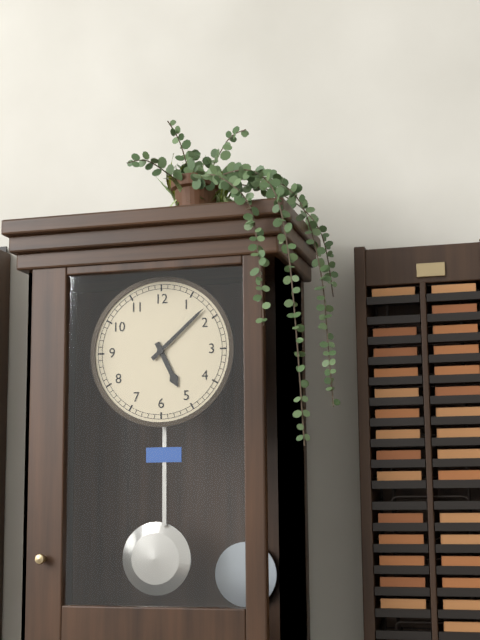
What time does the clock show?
5:08
